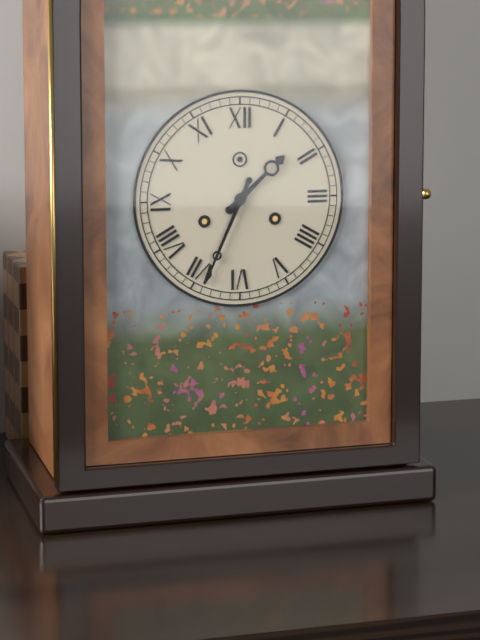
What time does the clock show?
1:34
